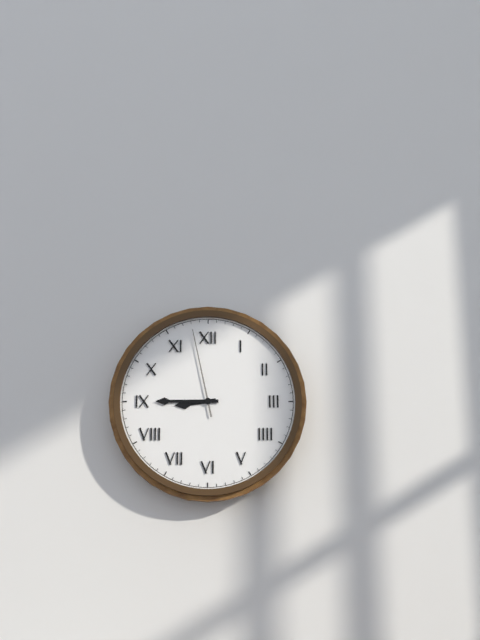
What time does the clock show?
8:45:58
